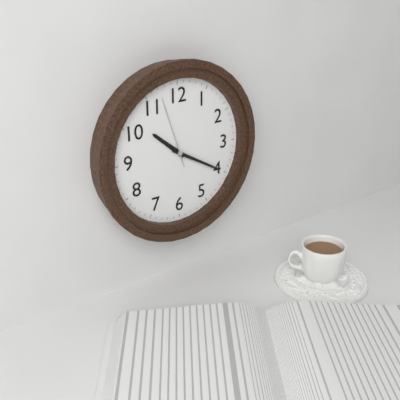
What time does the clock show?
10:20:57
